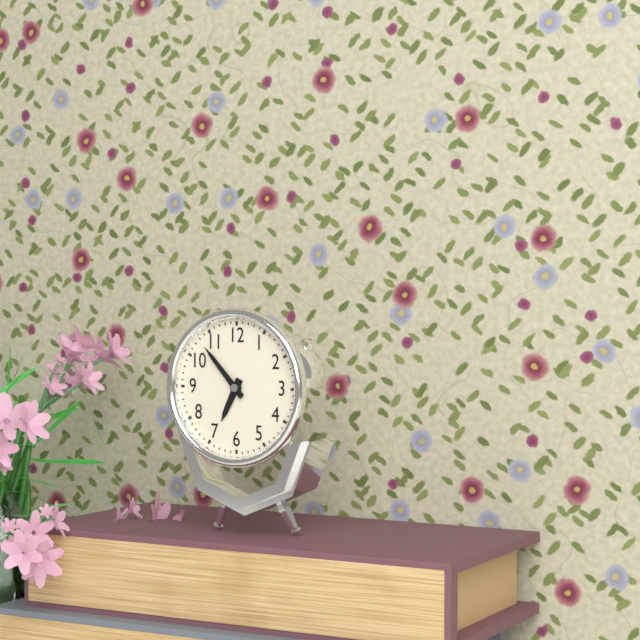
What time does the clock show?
6:53
